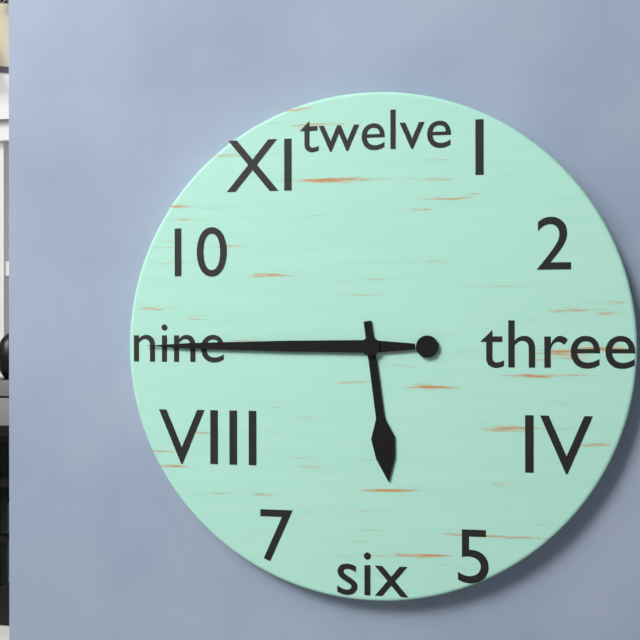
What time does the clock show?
5:45
